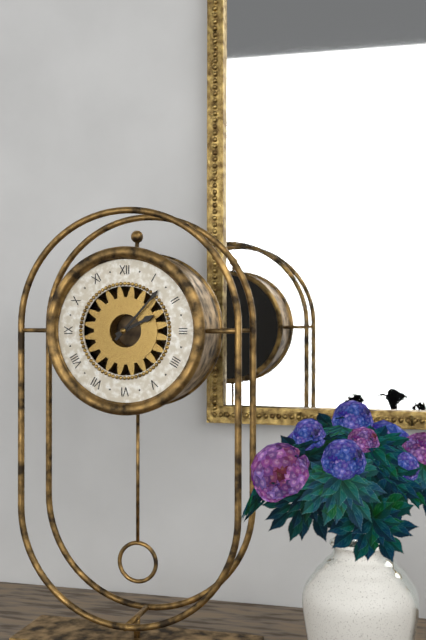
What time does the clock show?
2:07
